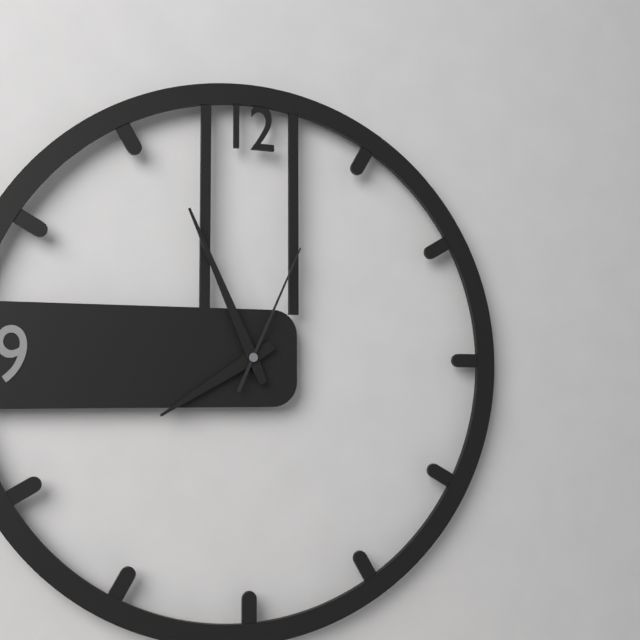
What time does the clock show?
7:56:04
